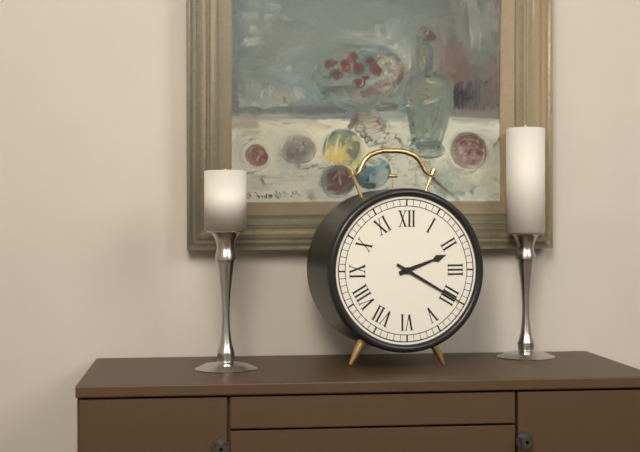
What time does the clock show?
2:20
